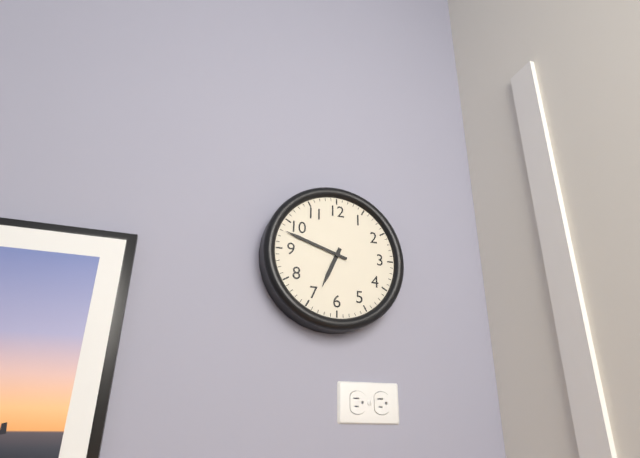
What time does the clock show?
6:48
